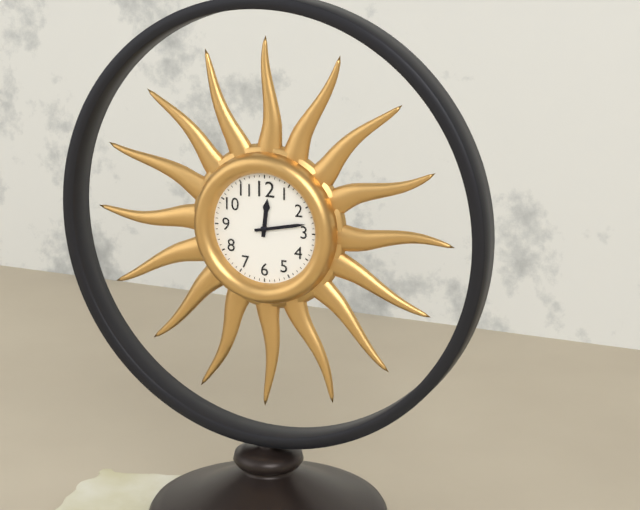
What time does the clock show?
12:13
